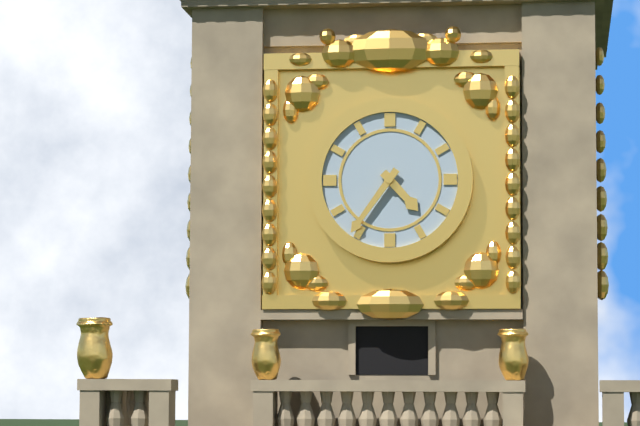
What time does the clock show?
4:36
